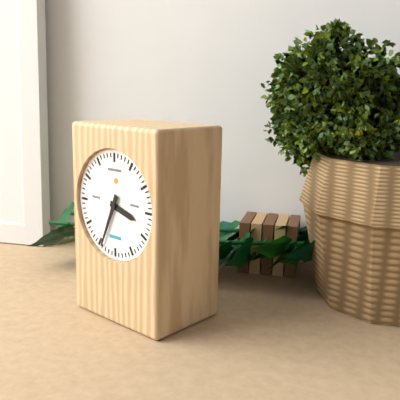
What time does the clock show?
3:34
